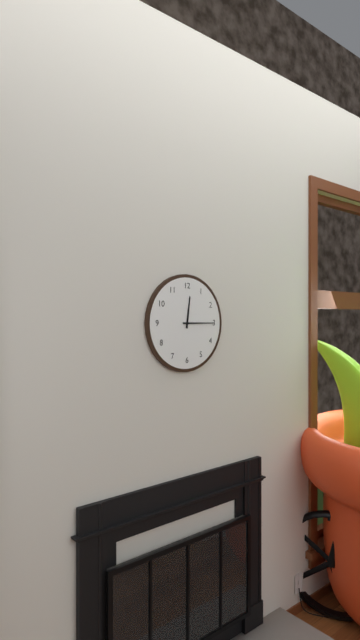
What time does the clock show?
12:15
